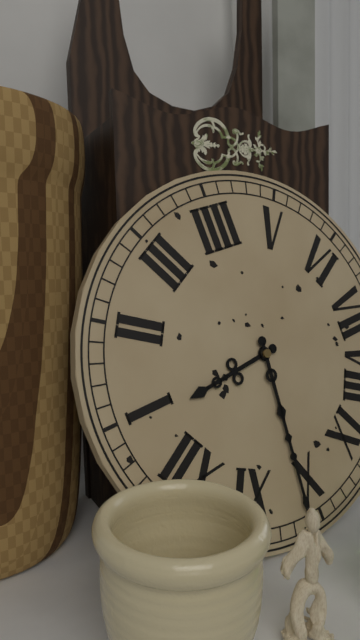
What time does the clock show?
12:51
